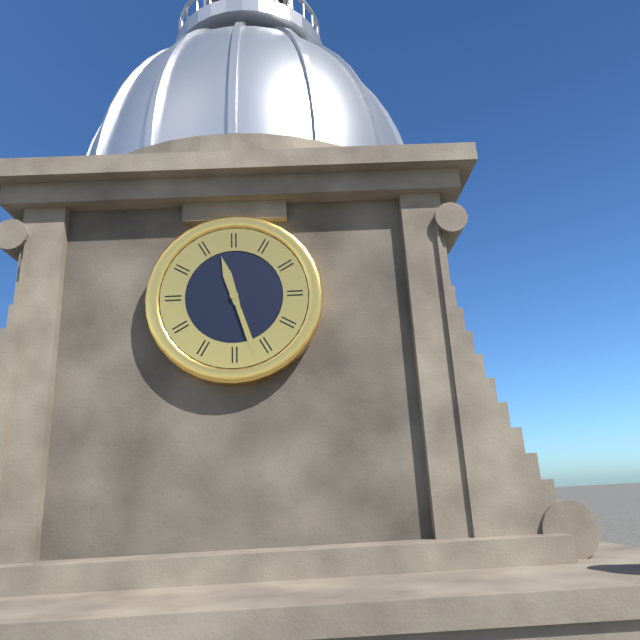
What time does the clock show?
11:27
